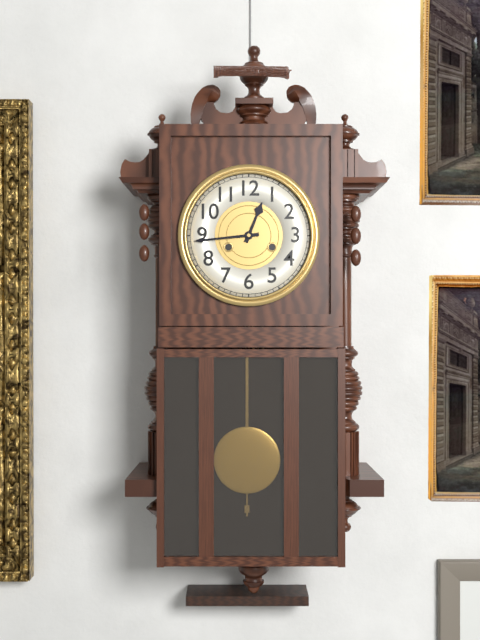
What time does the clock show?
12:44
